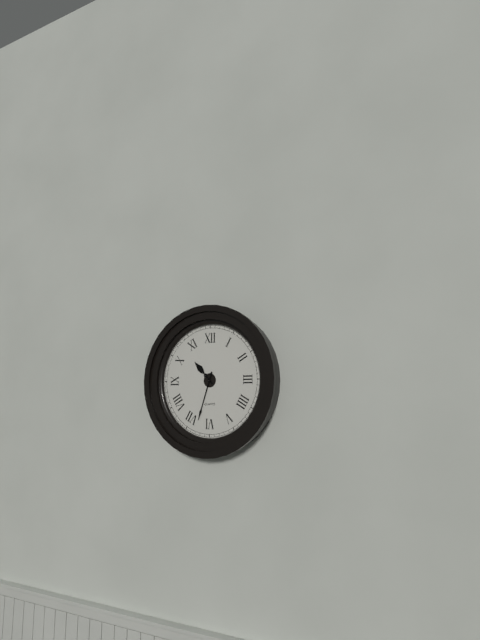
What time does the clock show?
10:33
